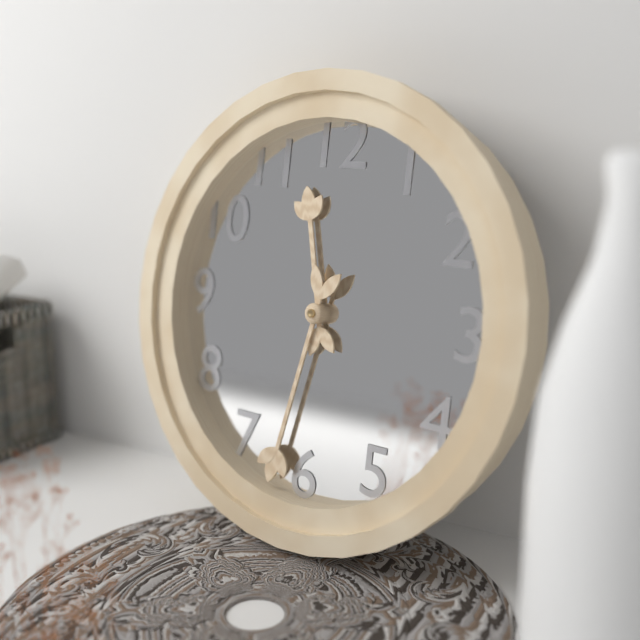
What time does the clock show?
11:32
